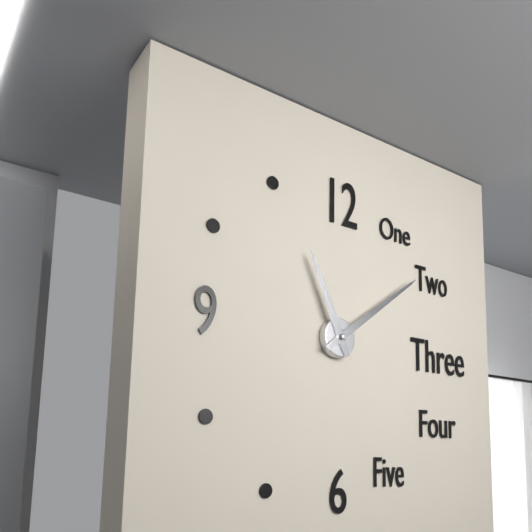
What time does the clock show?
11:09
